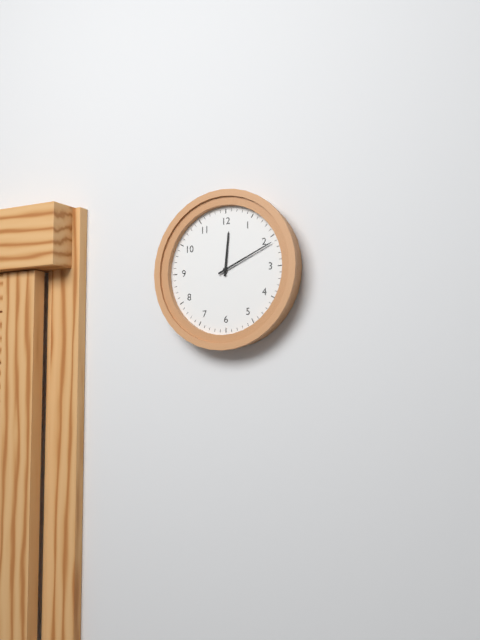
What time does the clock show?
12:11
